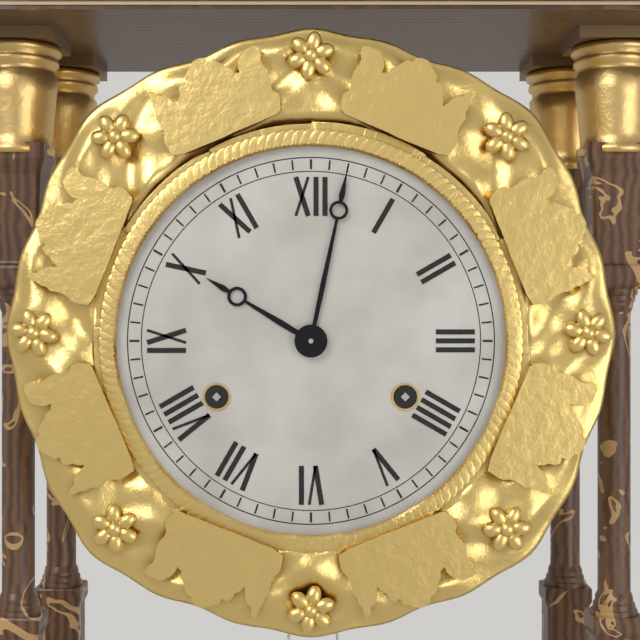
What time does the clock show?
10:02
